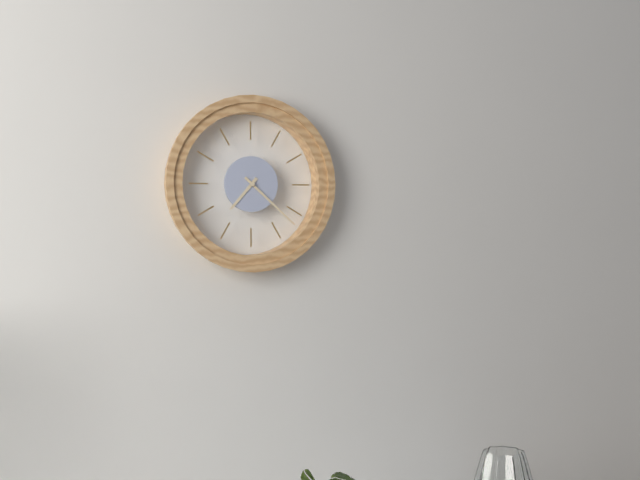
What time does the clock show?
7:22
